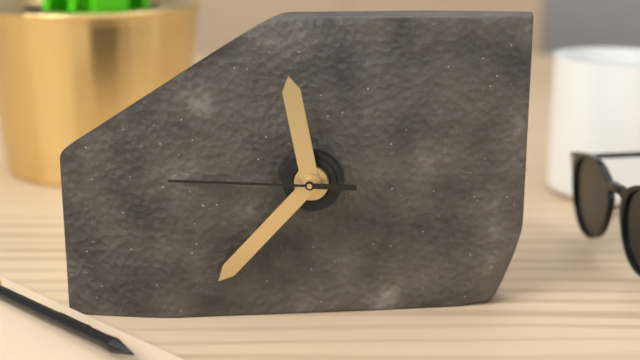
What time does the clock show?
11:37
